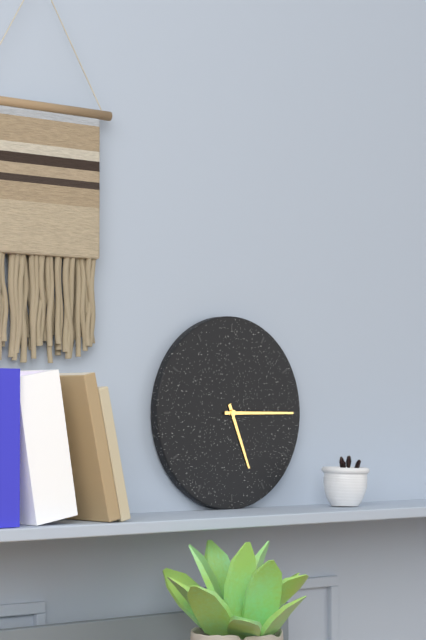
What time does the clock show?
5:15
